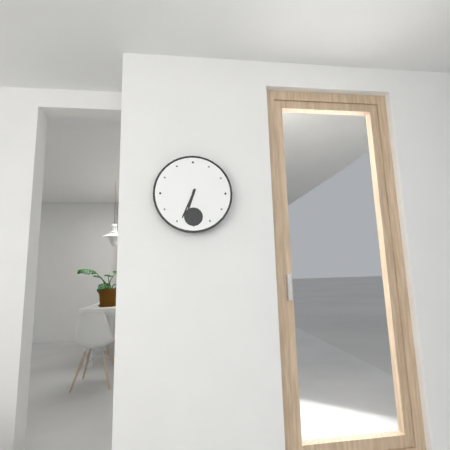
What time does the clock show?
6:34
